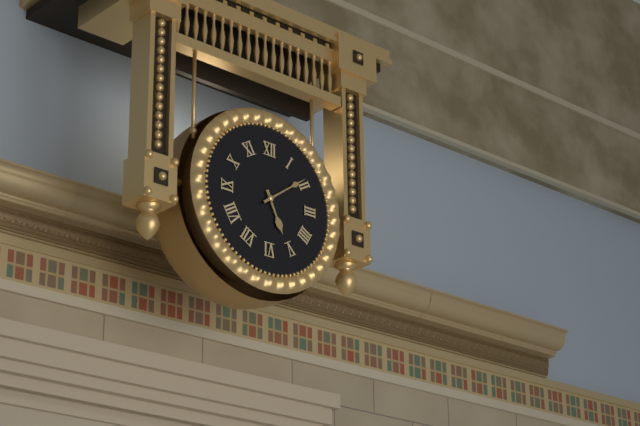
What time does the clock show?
5:09
